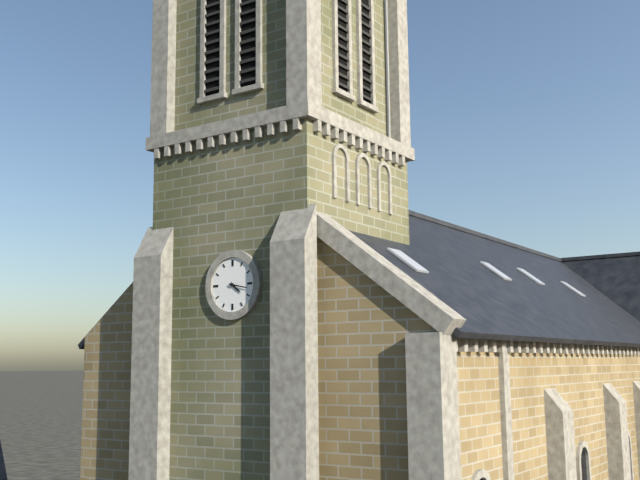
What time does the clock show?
4:17
